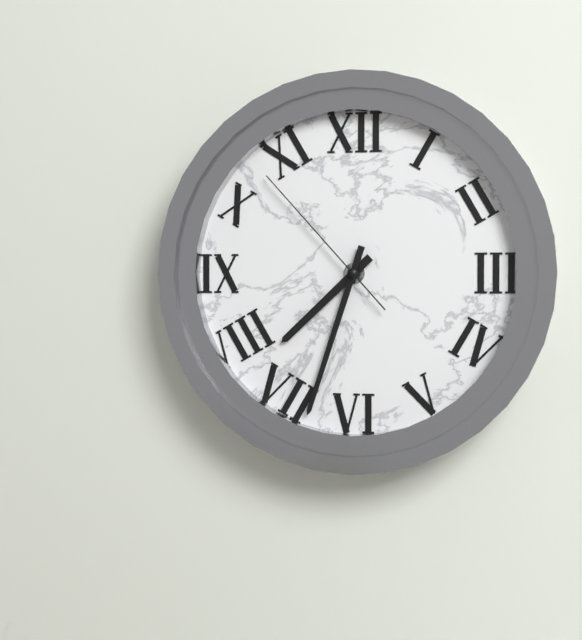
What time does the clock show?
7:33:53
